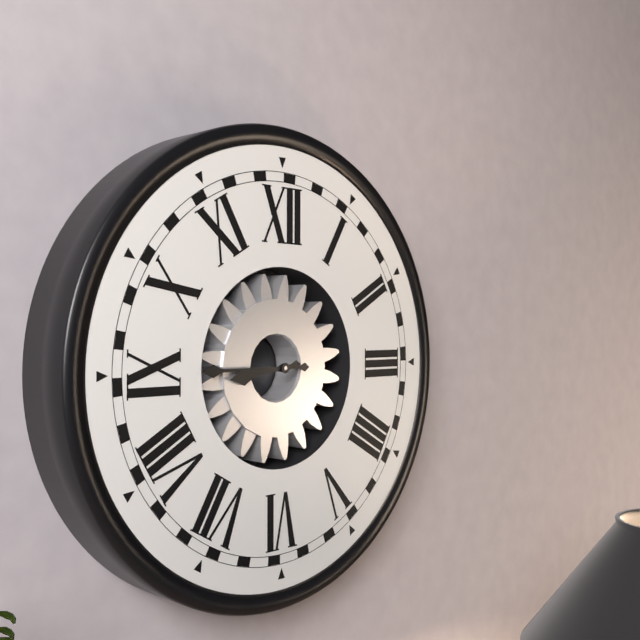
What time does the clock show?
8:45
